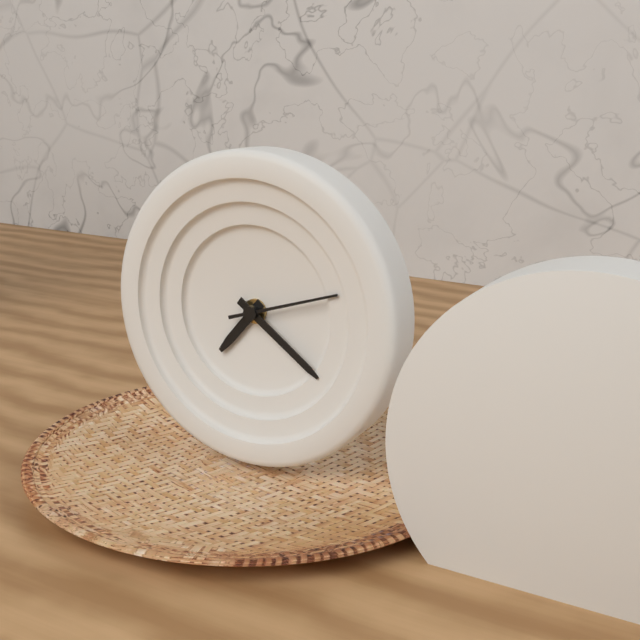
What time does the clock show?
7:21:12
